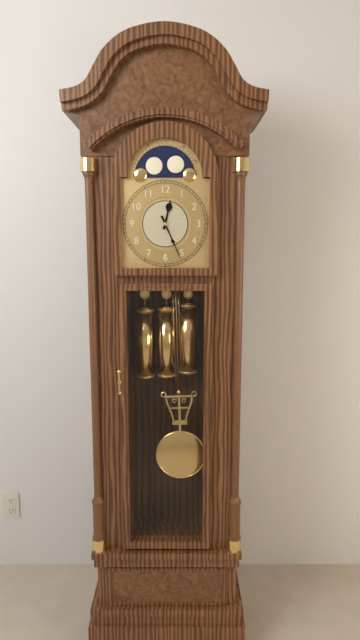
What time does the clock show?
12:26
